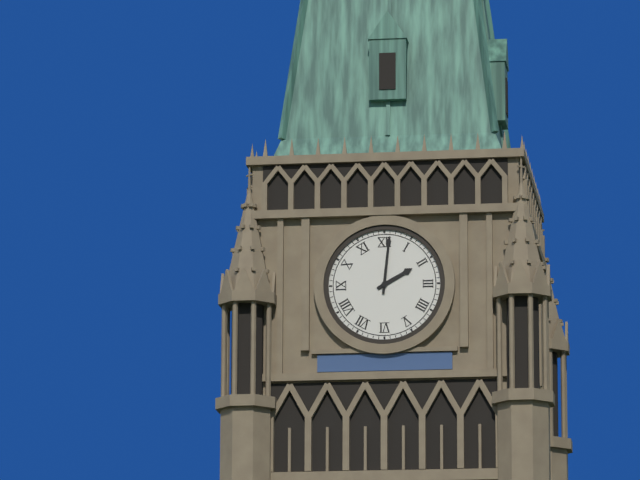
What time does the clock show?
2:01
